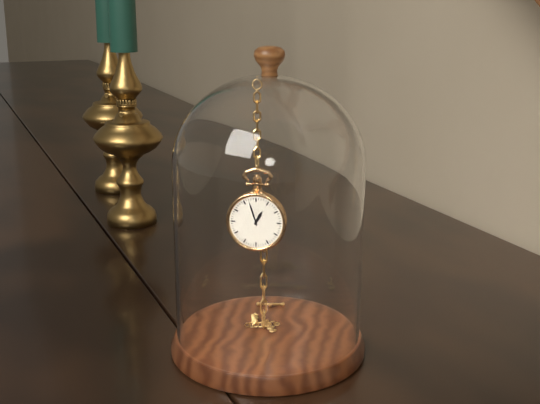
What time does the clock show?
12:57
